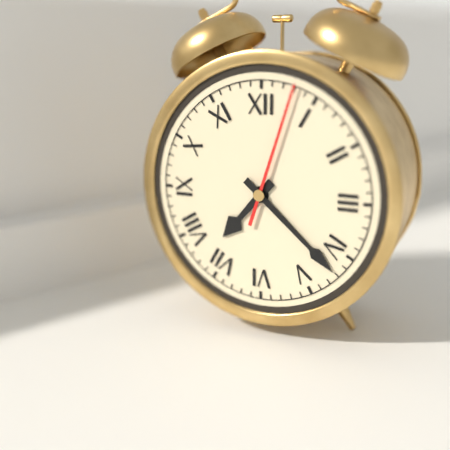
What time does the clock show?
7:22:03
